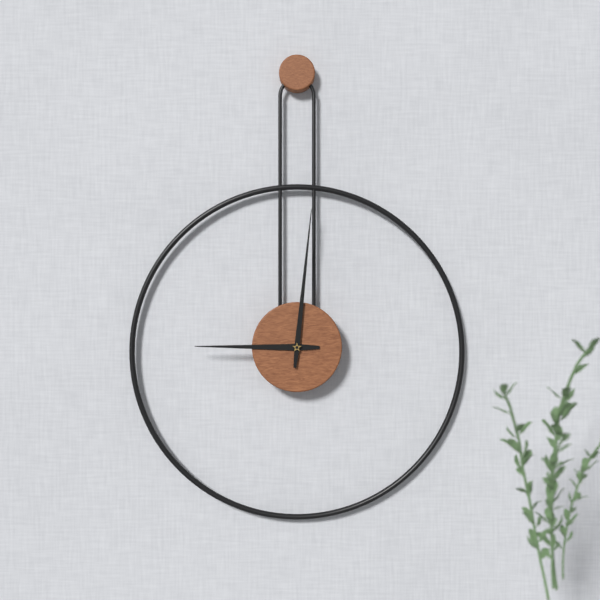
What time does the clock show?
9:01
